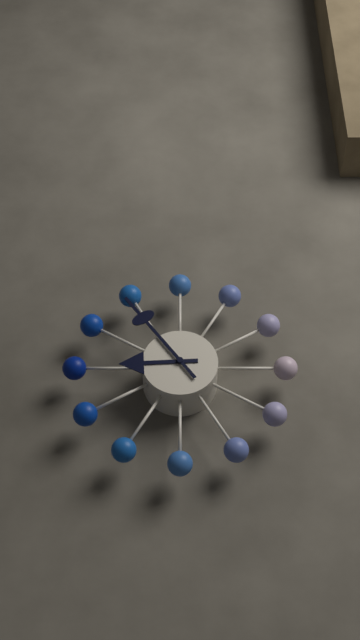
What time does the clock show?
8:54
